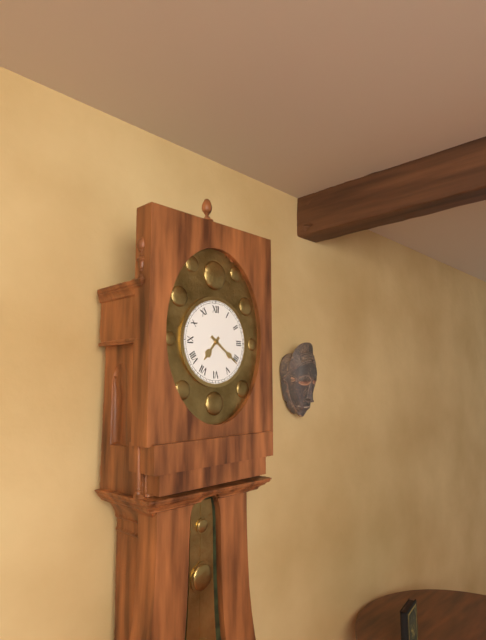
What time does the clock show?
7:21
